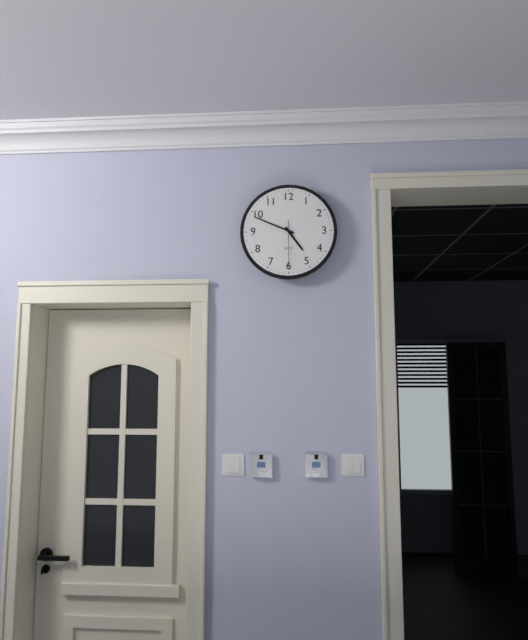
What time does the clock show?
4:49
